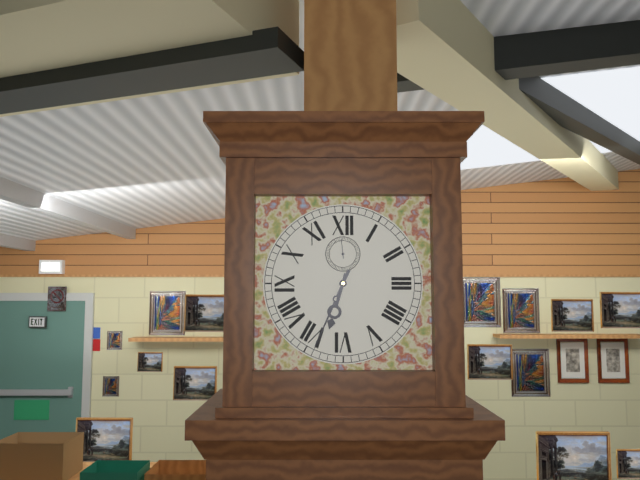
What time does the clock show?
6:34
